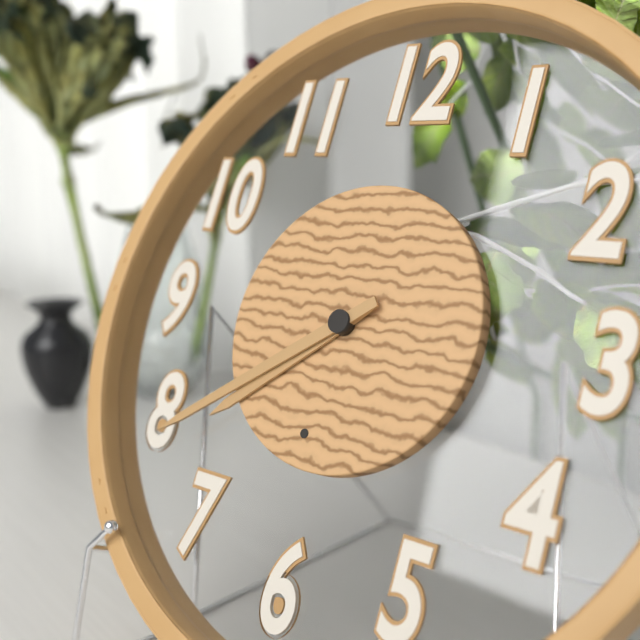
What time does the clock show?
7:39
